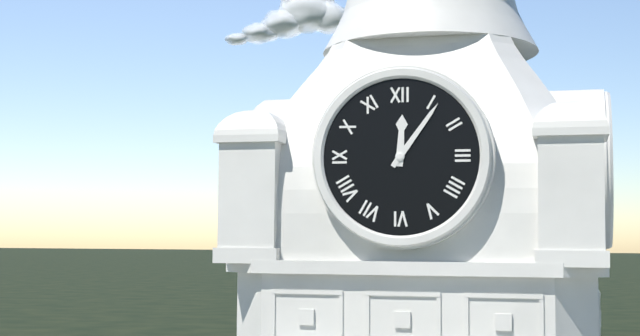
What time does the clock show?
12:06
